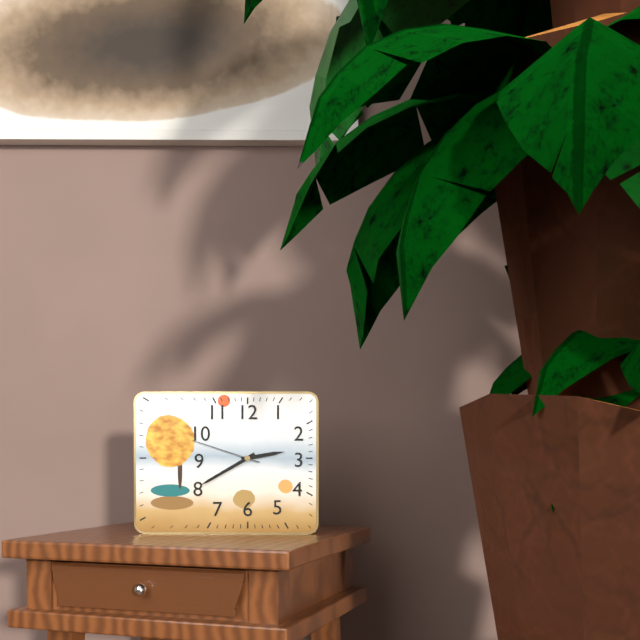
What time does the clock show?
2:40:48
